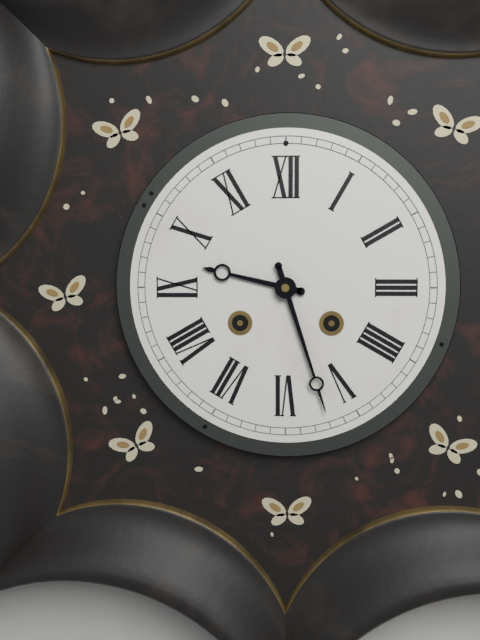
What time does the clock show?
9:27
